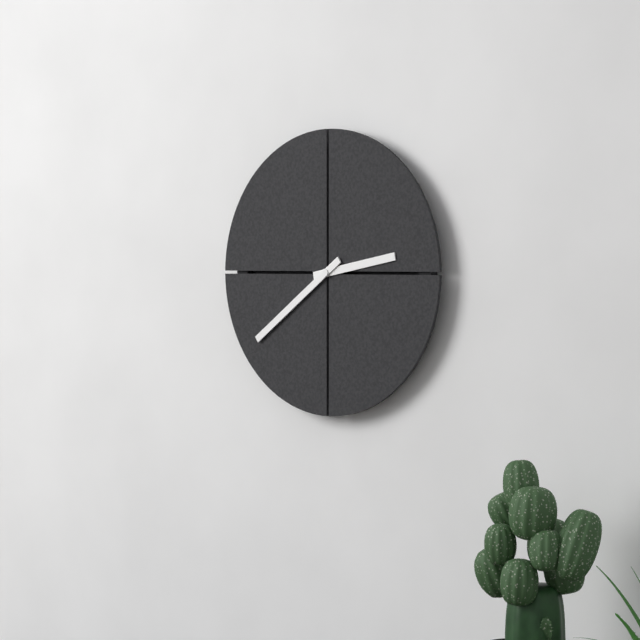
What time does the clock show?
2:39
